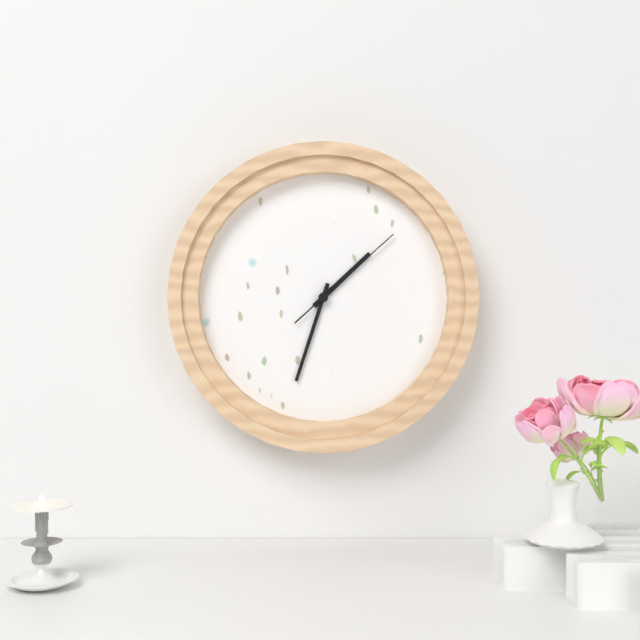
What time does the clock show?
1:33:08
